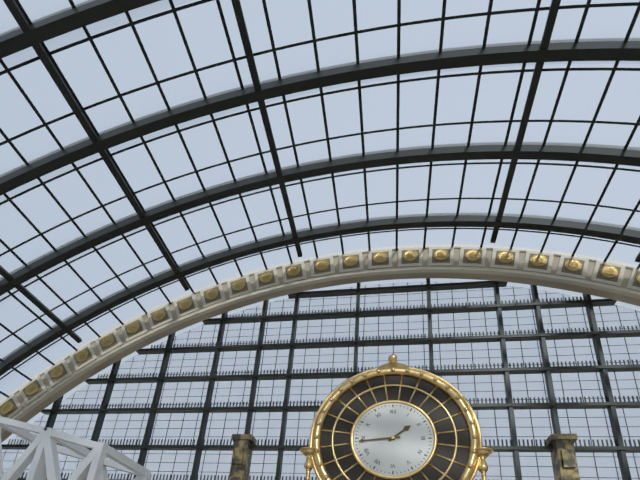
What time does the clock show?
1:44
